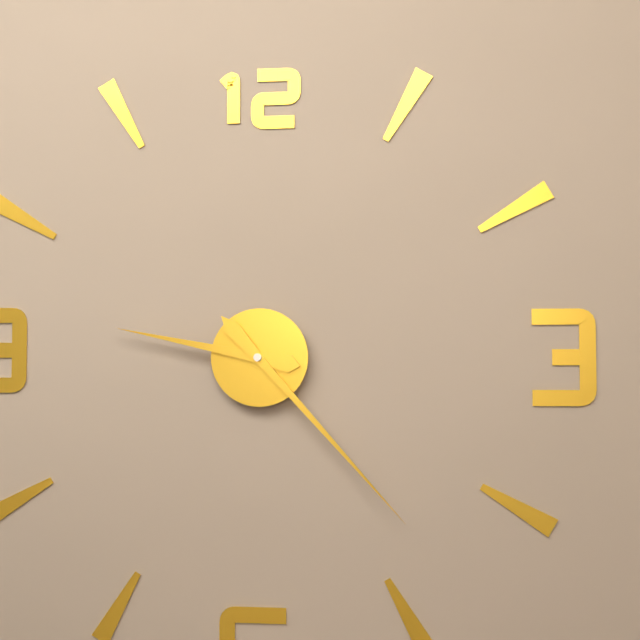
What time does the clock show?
9:23
